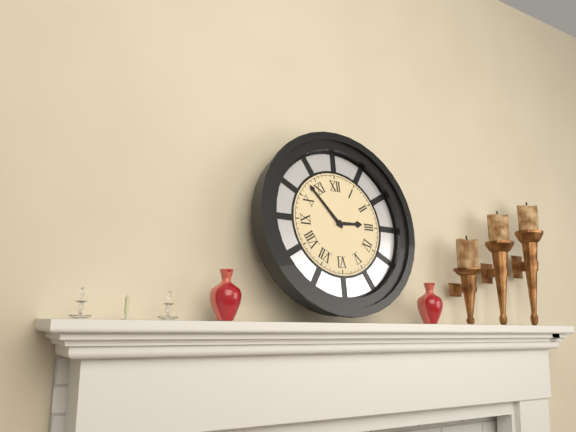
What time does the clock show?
2:53
